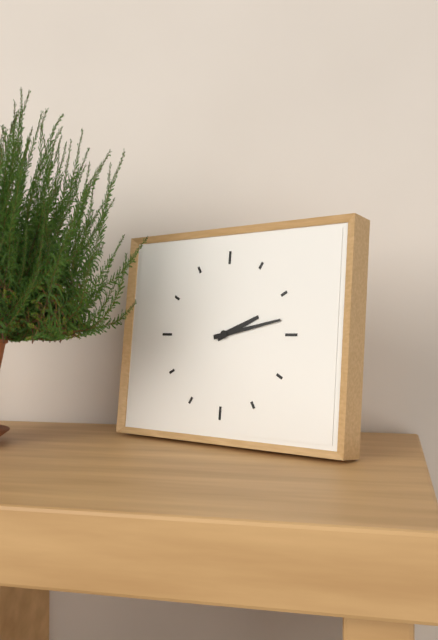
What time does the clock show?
2:13
